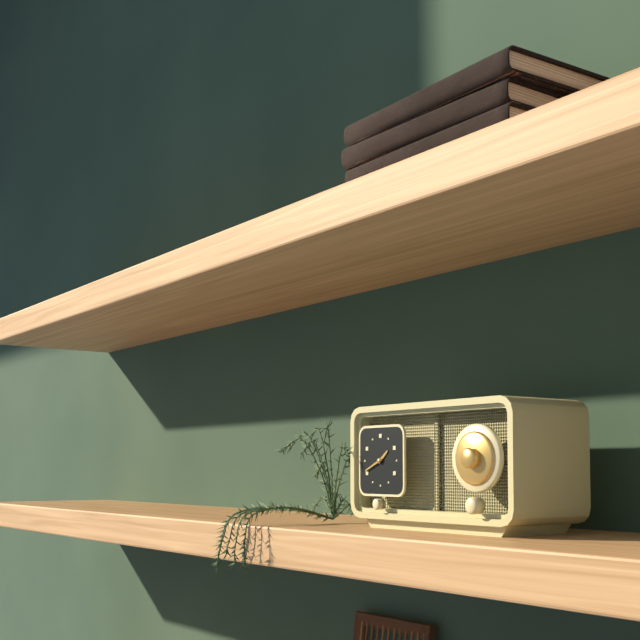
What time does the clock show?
1:41
